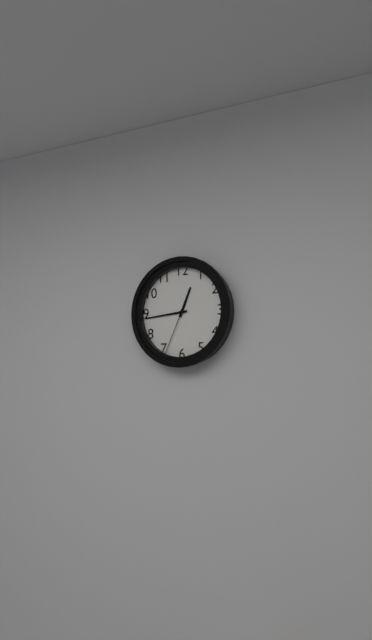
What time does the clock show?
12:44:34
